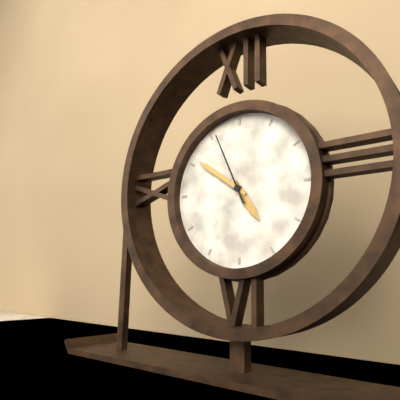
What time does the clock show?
4:51:56
